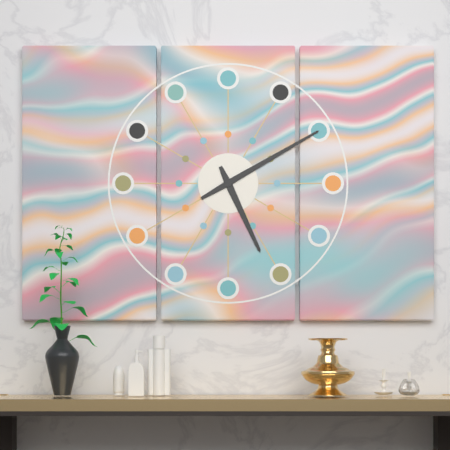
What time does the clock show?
5:10
